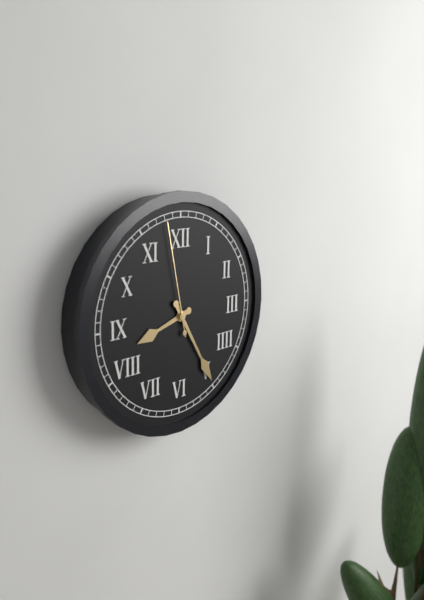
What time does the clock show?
8:25:58
